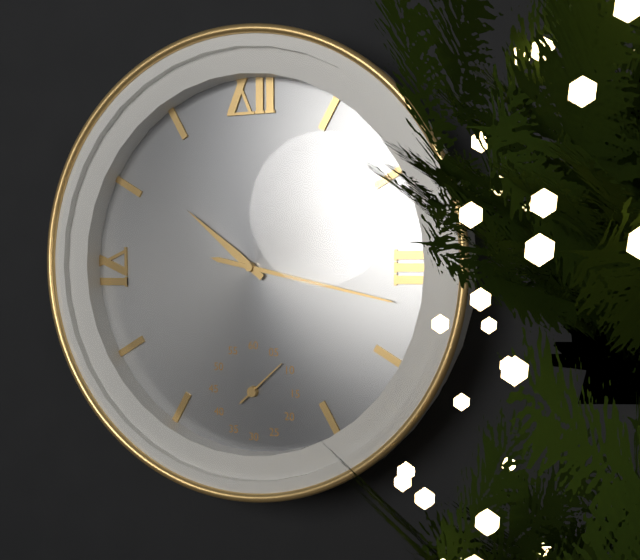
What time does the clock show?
10:17
